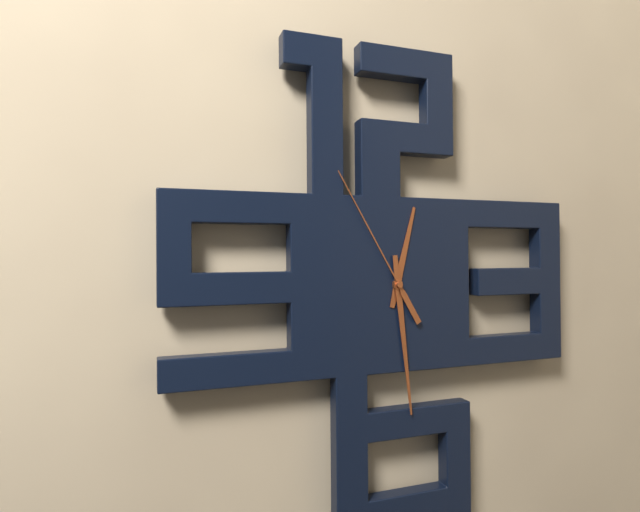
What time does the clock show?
12:29:55
